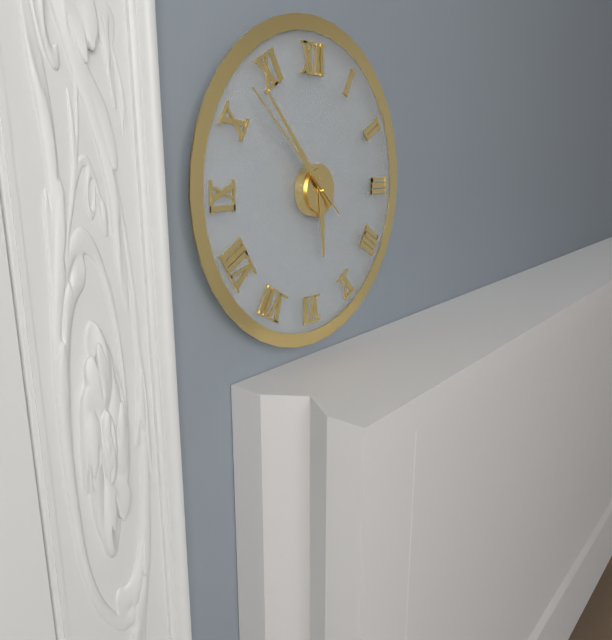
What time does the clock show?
5:53:52
